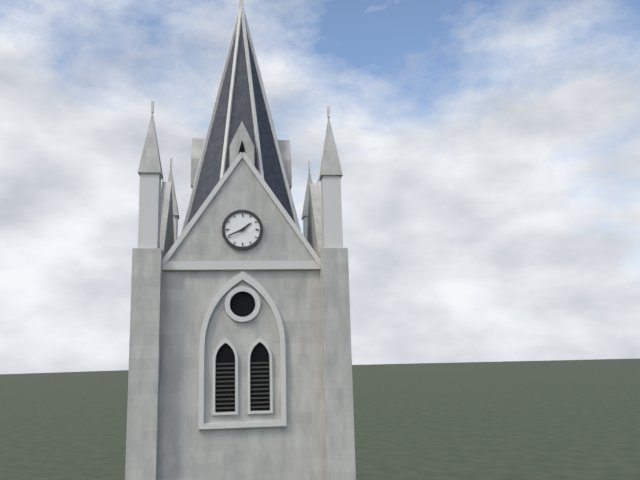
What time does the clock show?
1:41
